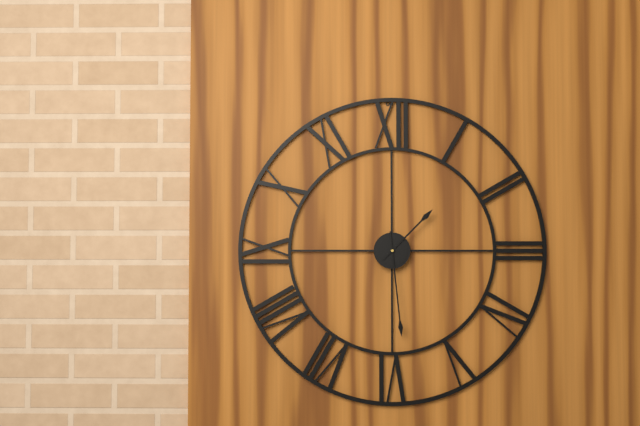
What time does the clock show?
1:29
